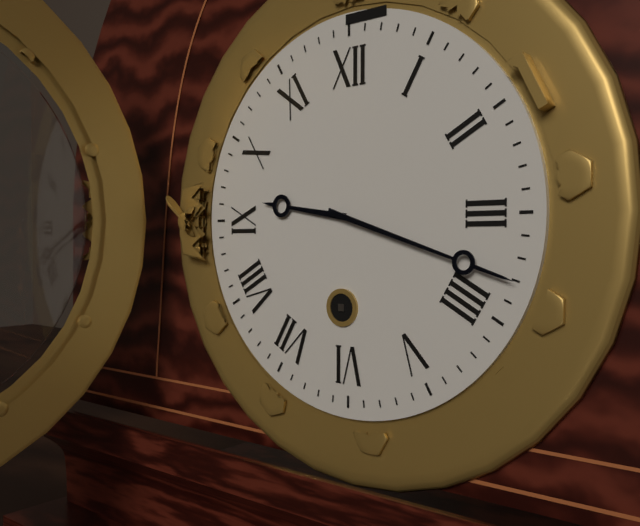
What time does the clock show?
9:18
